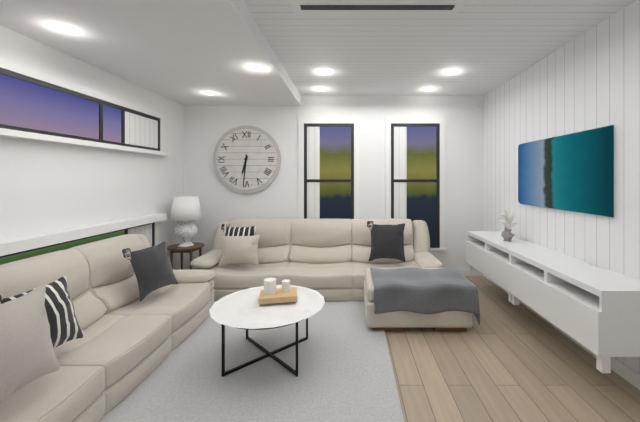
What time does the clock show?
6:31
